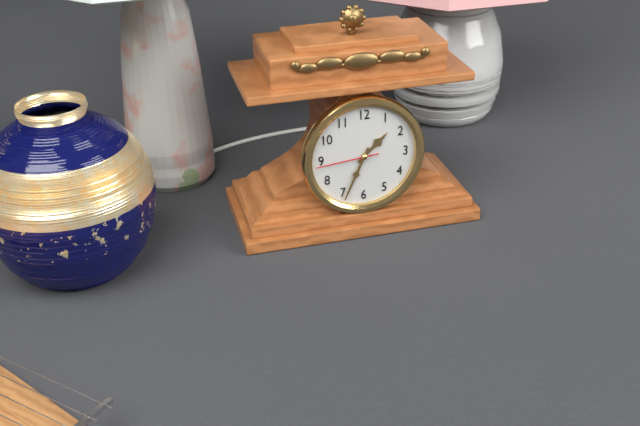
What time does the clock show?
1:34:44
